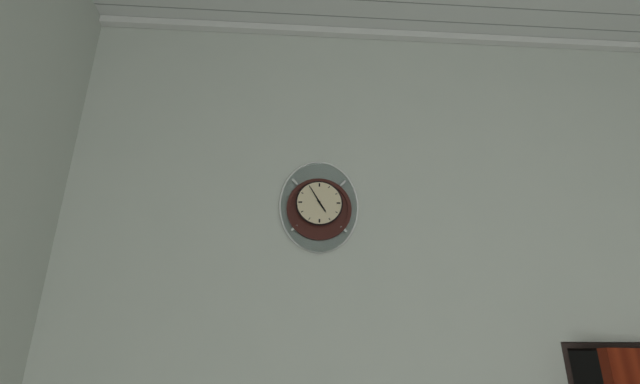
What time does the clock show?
4:55
